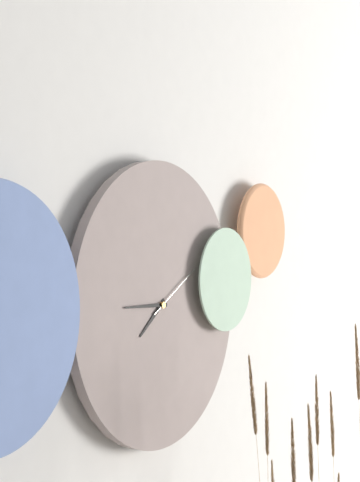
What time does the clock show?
7:45:10
